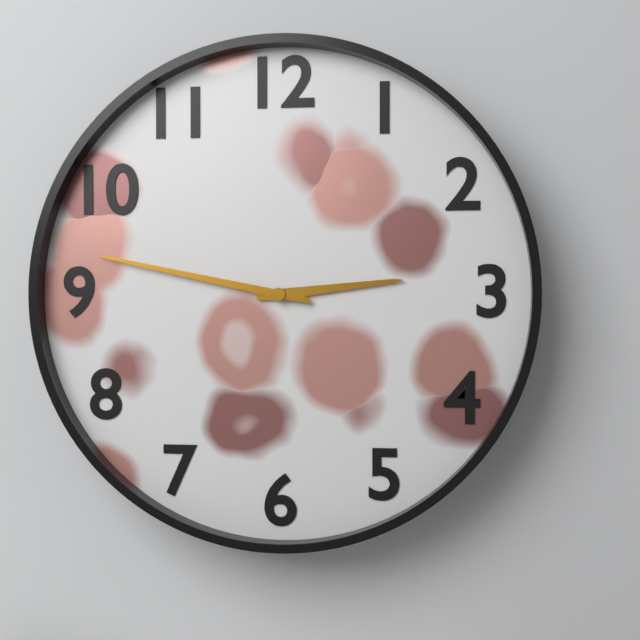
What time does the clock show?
2:47
